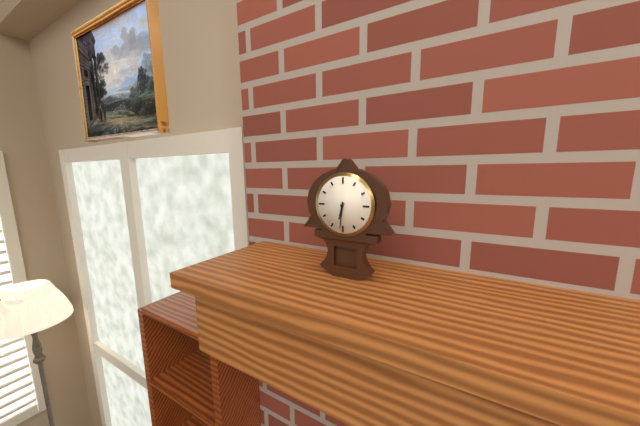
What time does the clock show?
6:31
